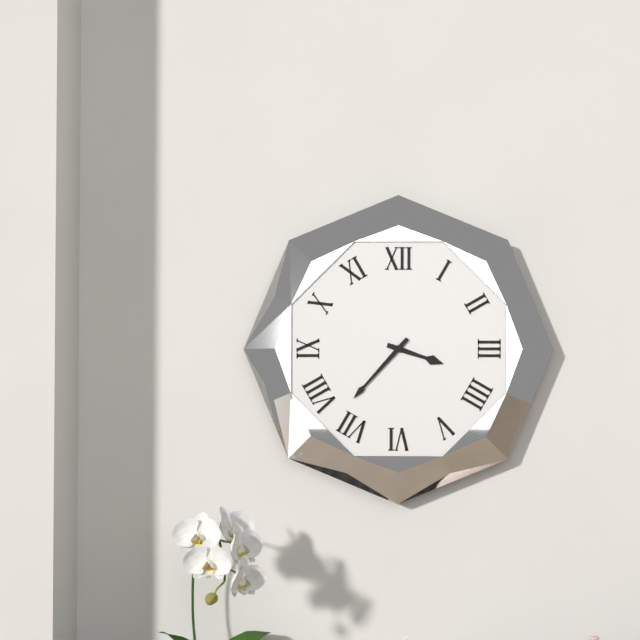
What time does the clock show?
3:37
